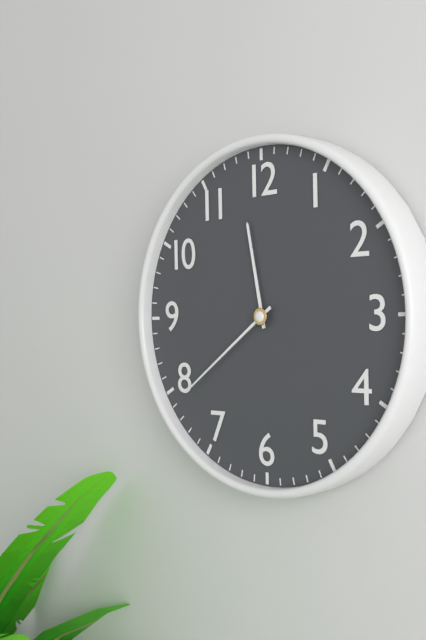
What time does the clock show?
11:39
